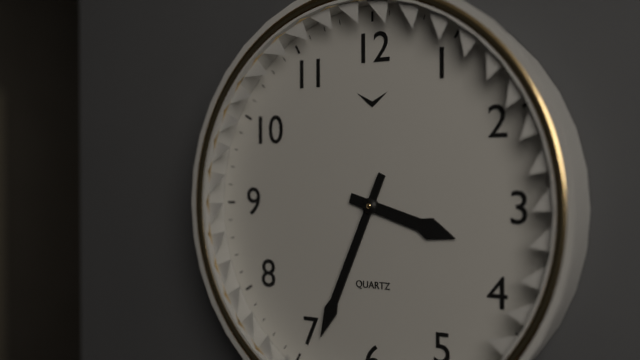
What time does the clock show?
3:34
